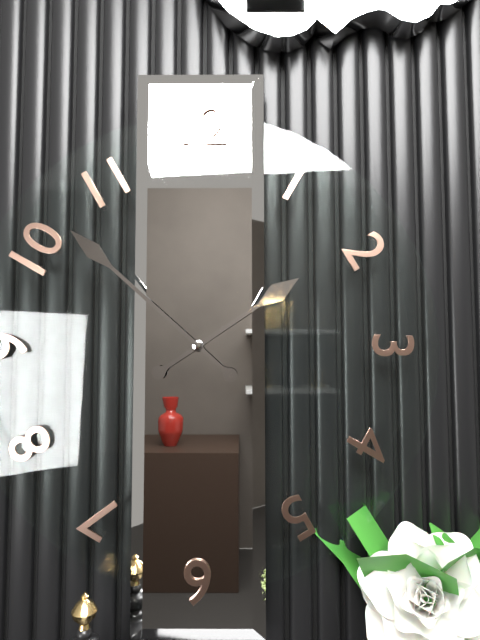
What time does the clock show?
1:52
